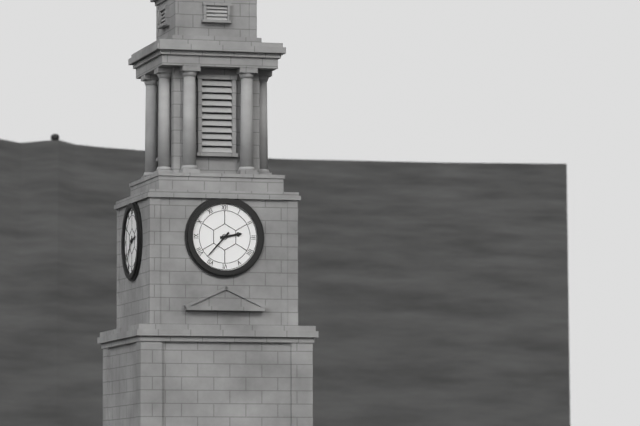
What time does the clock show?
2:37
